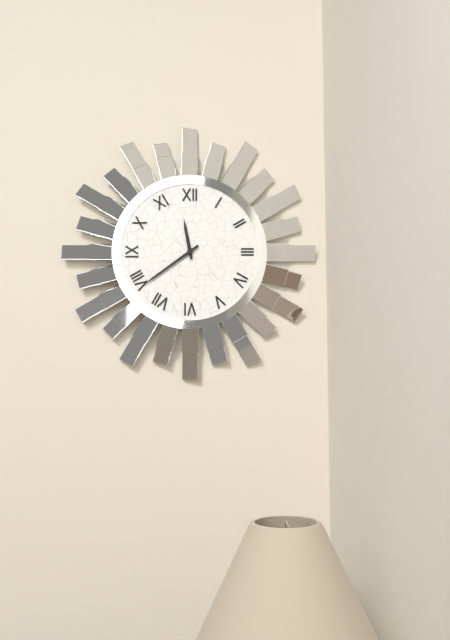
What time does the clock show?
11:39
